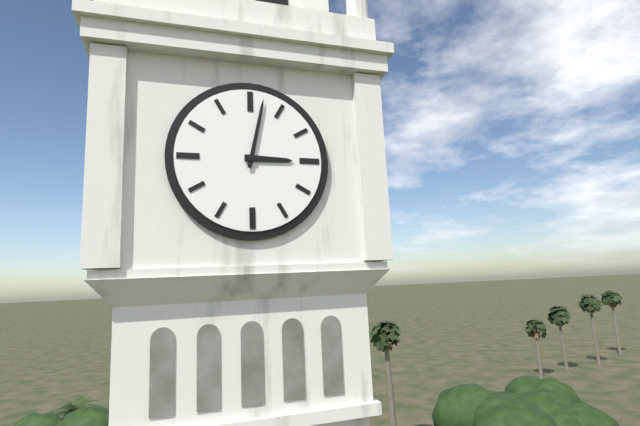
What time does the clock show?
3:02
